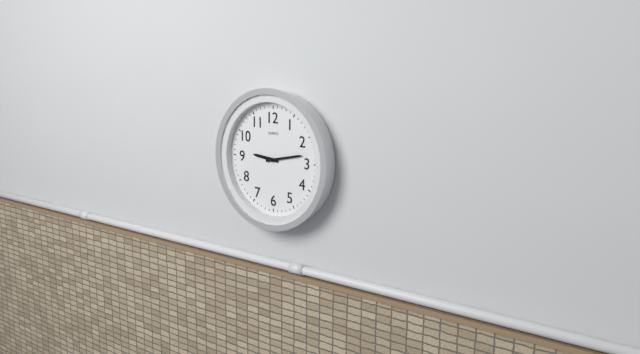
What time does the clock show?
9:13
